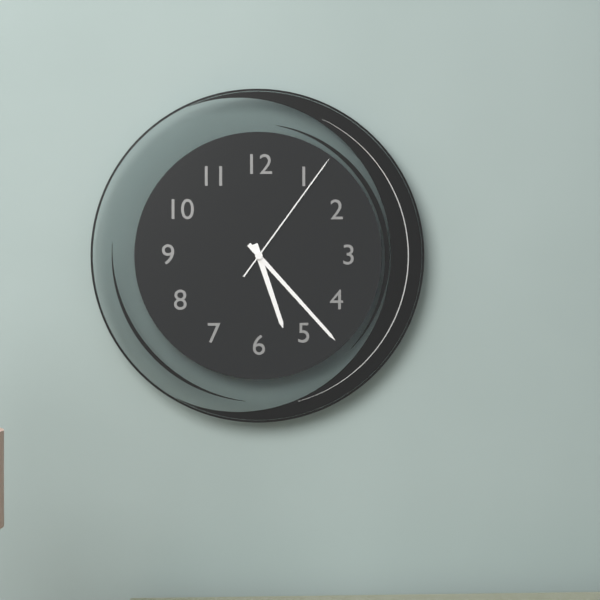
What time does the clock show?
5:23:06
